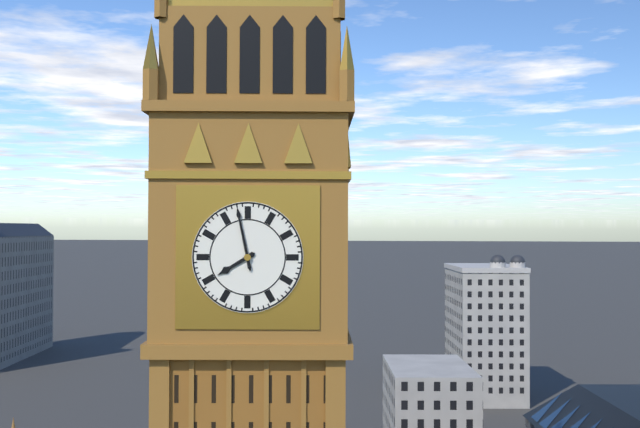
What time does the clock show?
7:58
